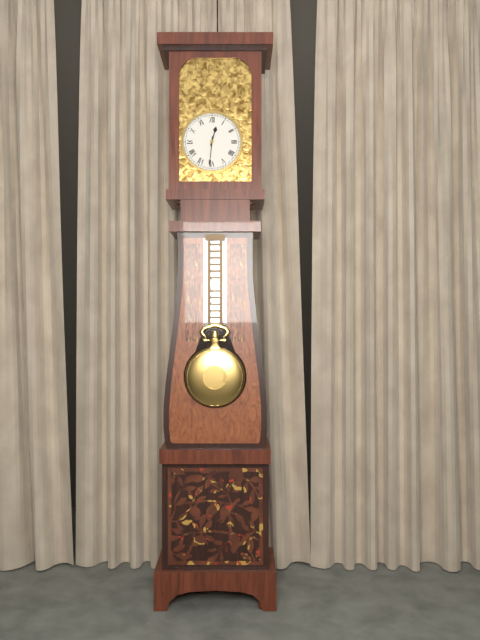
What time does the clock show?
12:31
